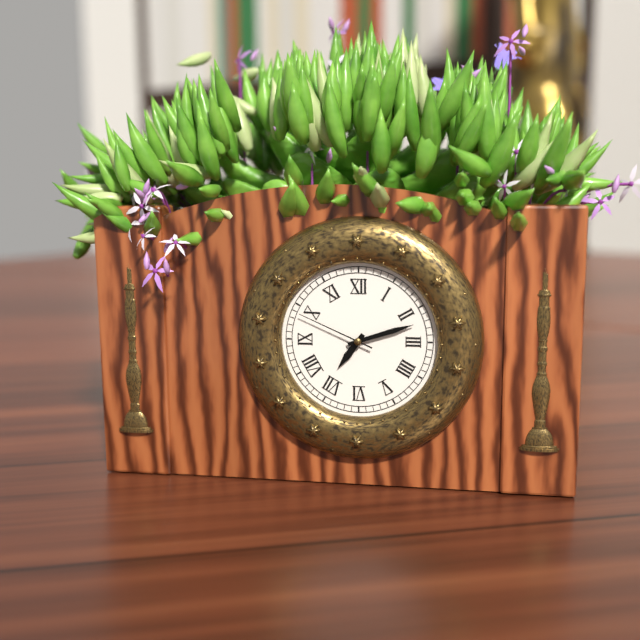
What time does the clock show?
7:12:49
